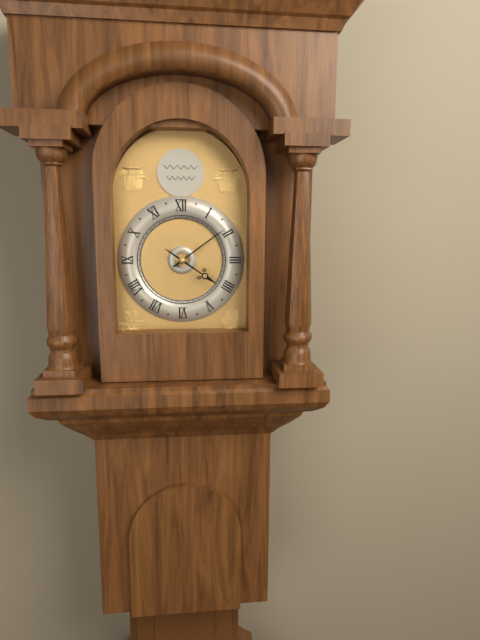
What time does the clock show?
4:09
